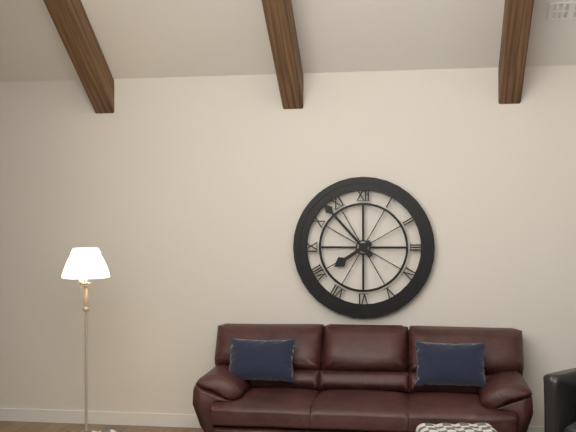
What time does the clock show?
7:53
